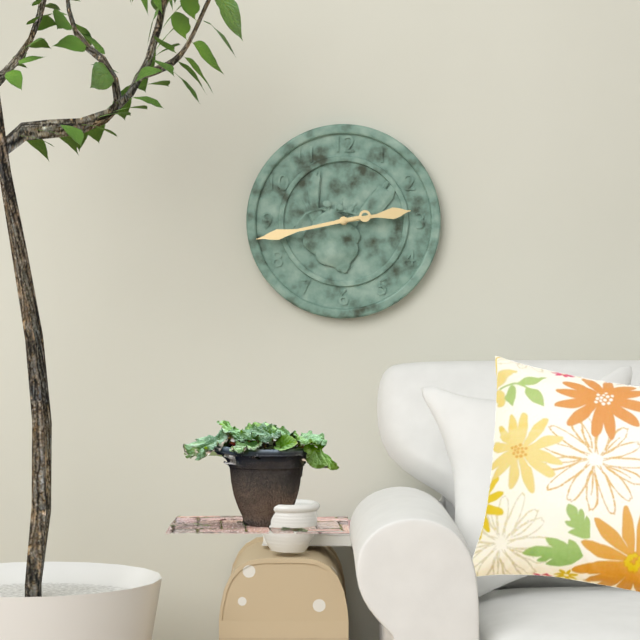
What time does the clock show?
2:43
